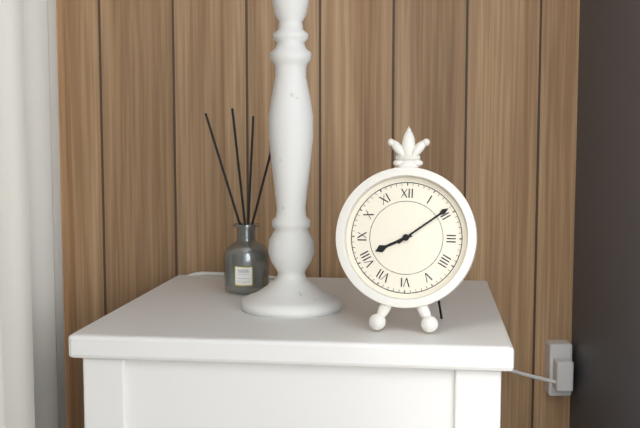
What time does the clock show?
8:09
